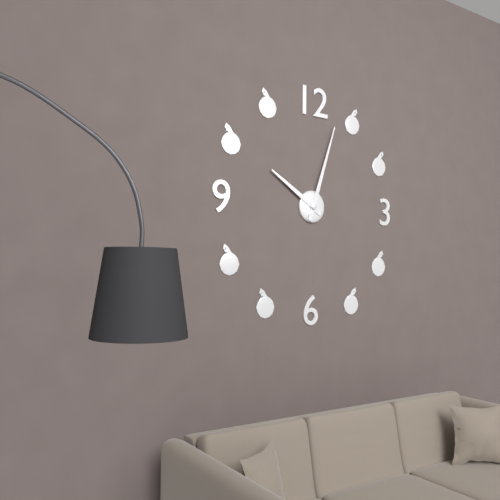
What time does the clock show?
10:03
